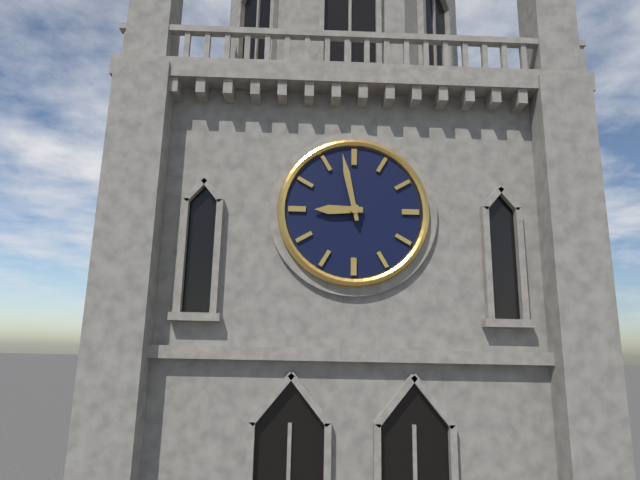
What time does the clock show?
8:58
